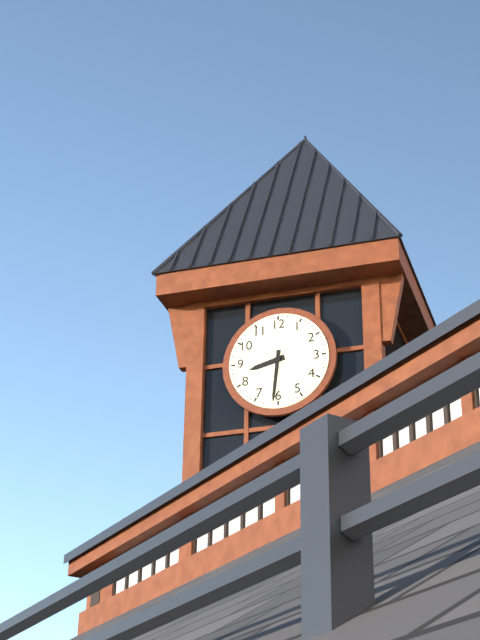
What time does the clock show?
8:31
